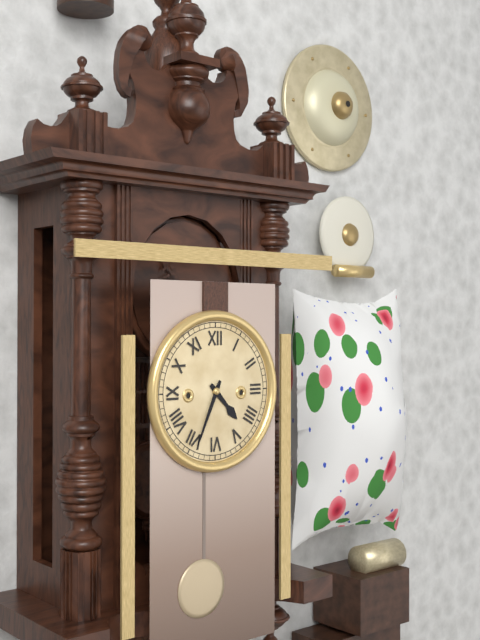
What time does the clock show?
4:34
